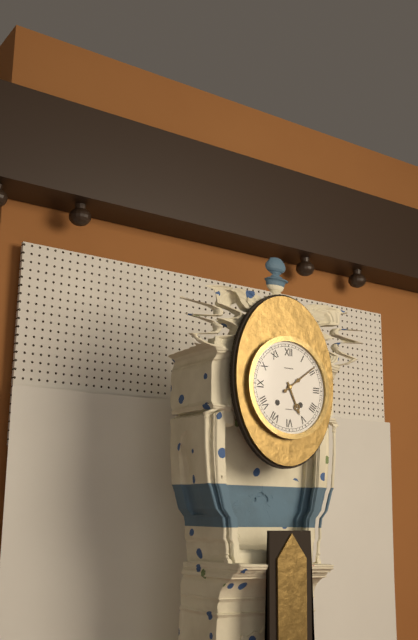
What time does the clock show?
5:09
